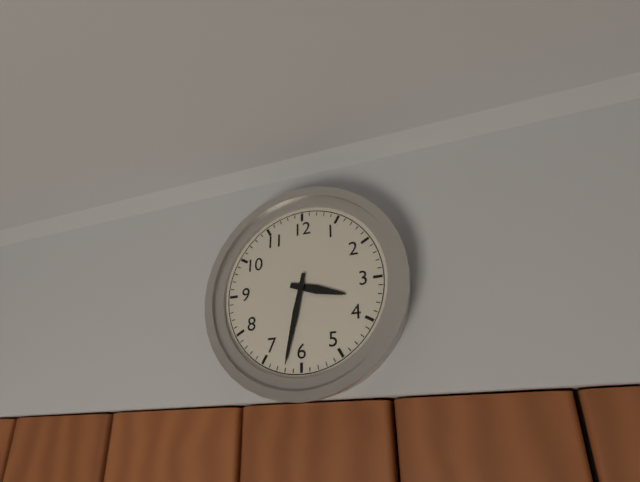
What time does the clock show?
3:32
